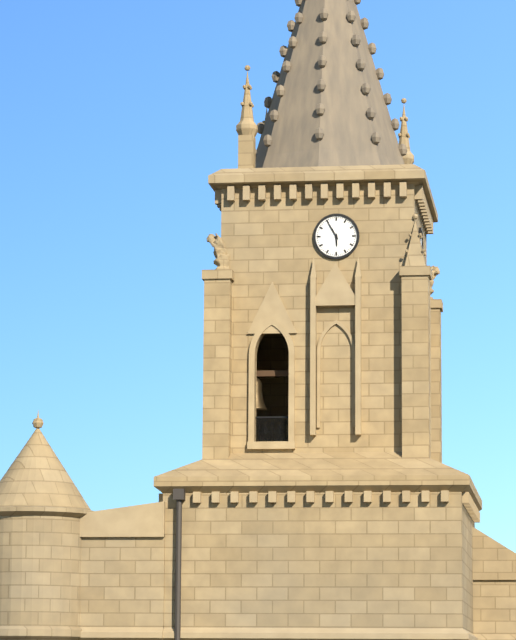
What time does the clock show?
5:55
